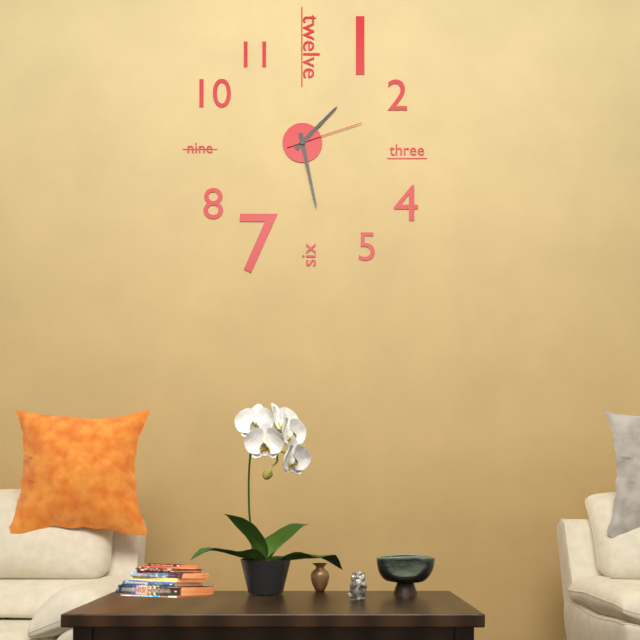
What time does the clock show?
1:28:12
